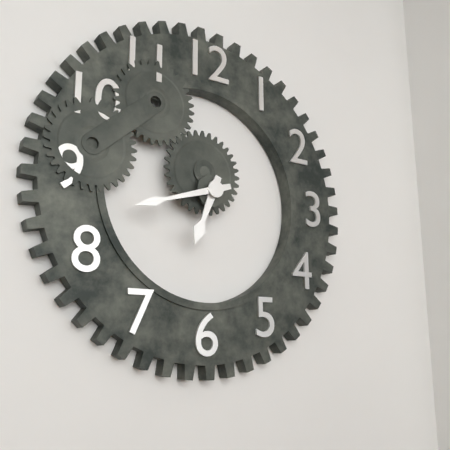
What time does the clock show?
6:42
